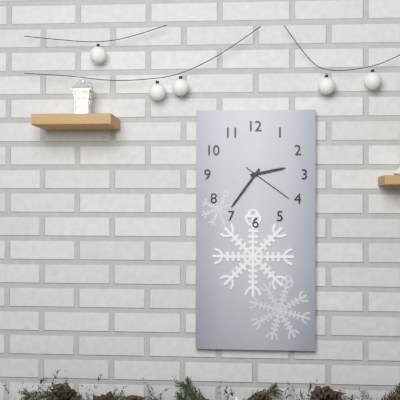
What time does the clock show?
2:36:21
